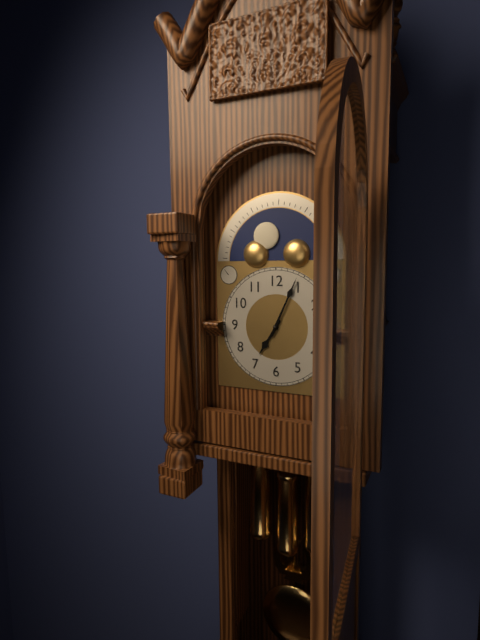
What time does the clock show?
7:04
